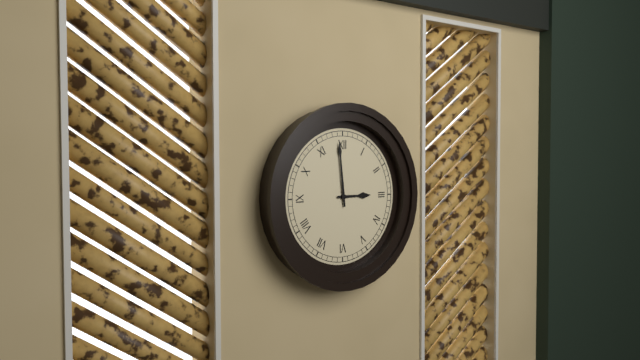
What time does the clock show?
2:59
